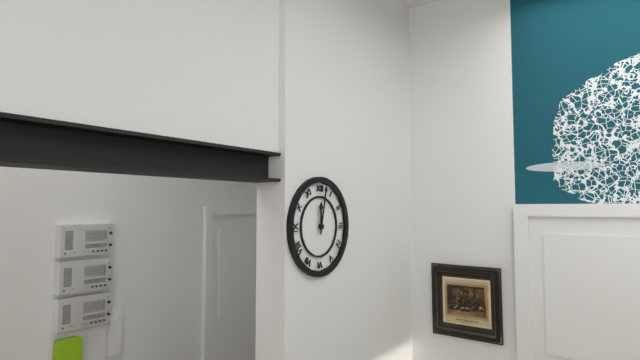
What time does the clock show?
12:02
